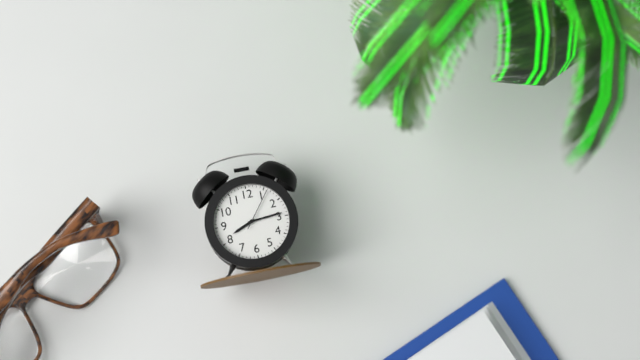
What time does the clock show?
8:14
